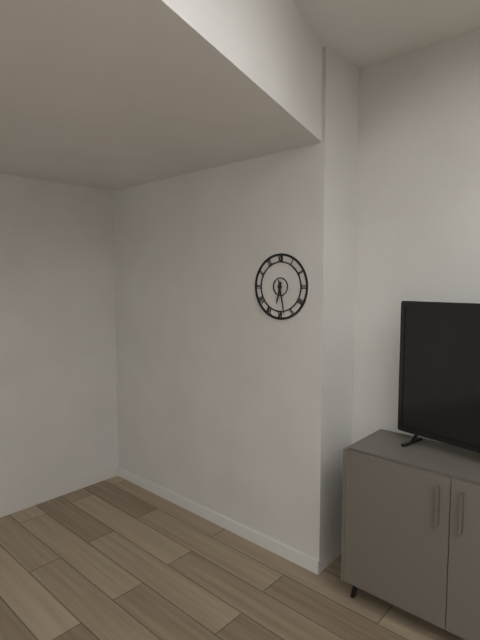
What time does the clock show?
6:28
